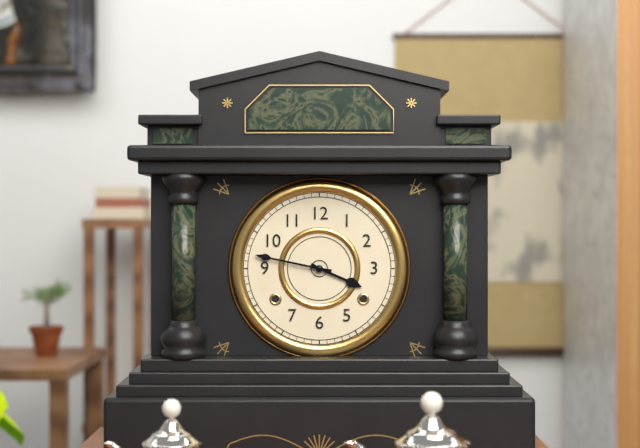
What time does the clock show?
3:47
